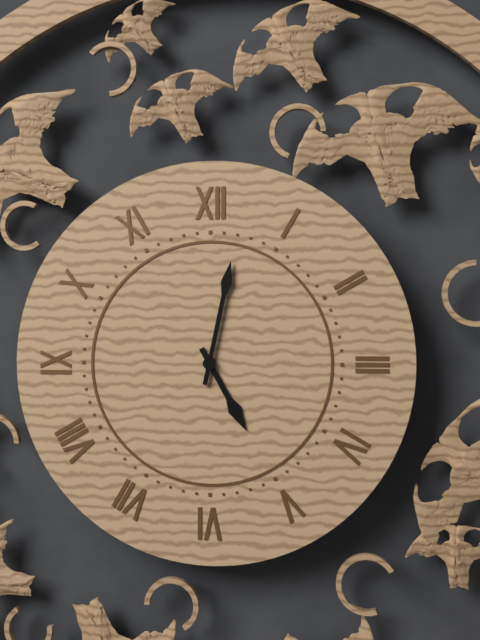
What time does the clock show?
5:02
